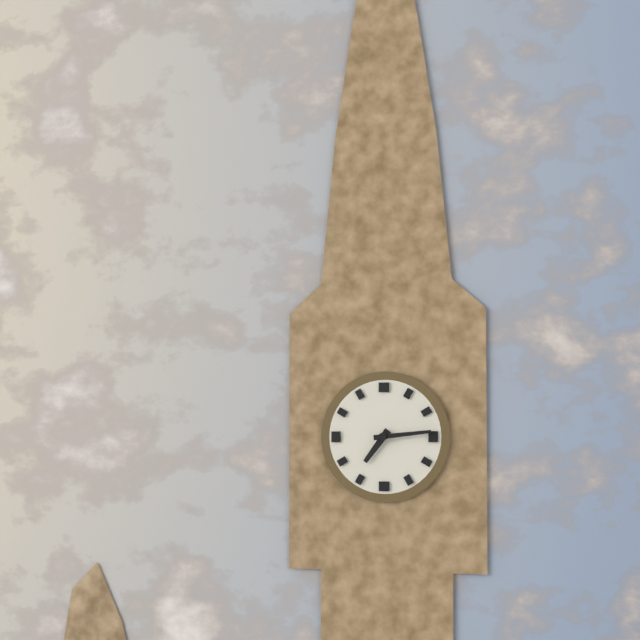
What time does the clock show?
7:14
